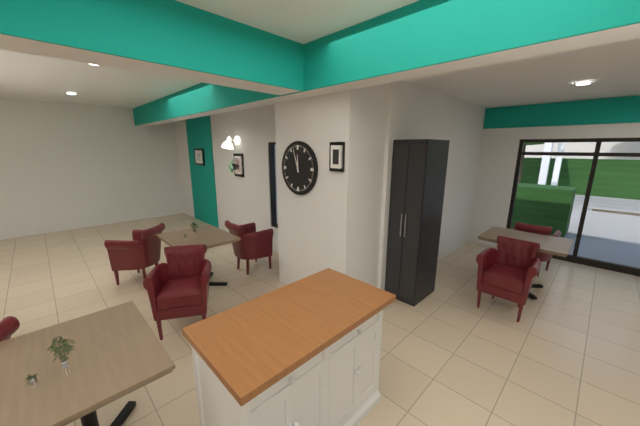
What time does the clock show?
11:57
